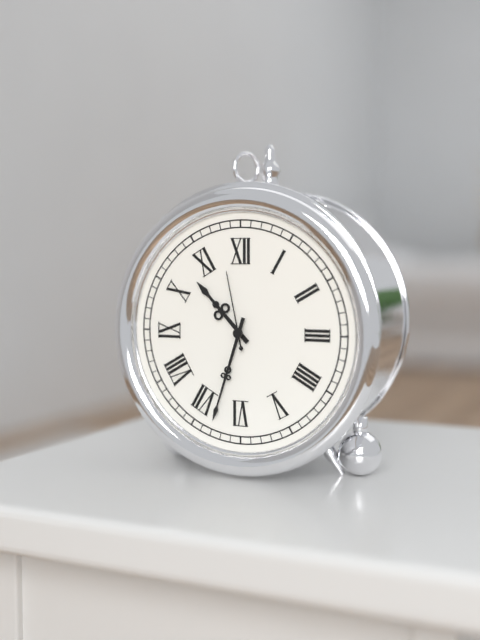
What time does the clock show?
10:33:58
